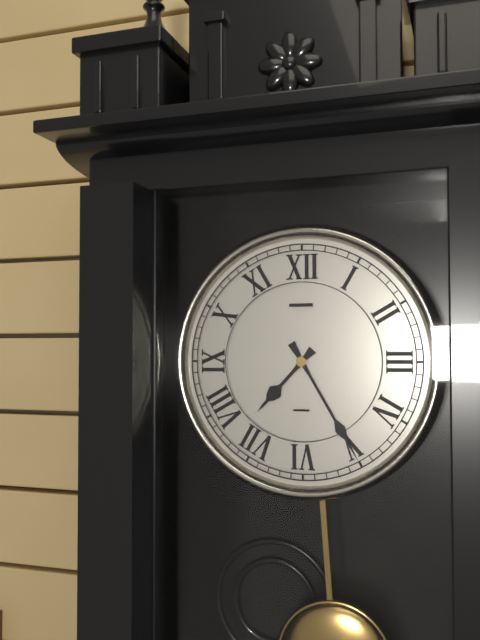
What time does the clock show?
7:25
